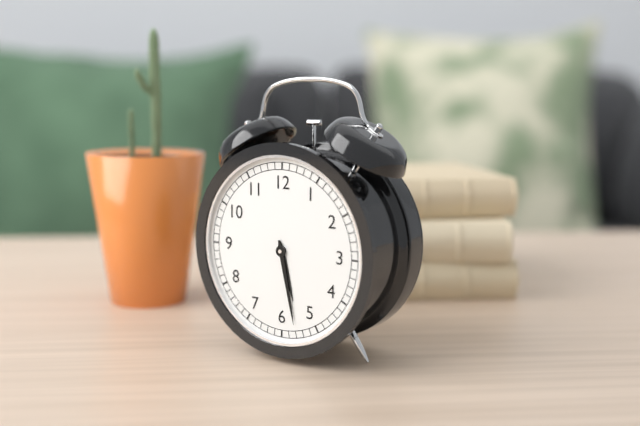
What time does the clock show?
5:28
